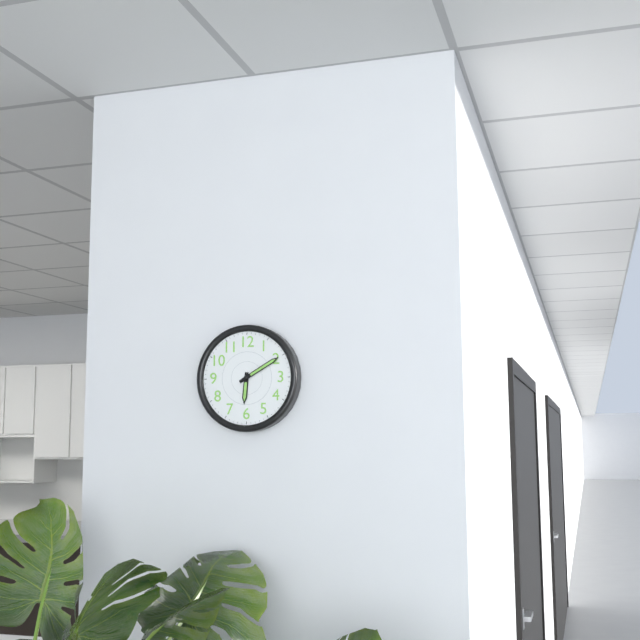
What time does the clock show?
6:10
